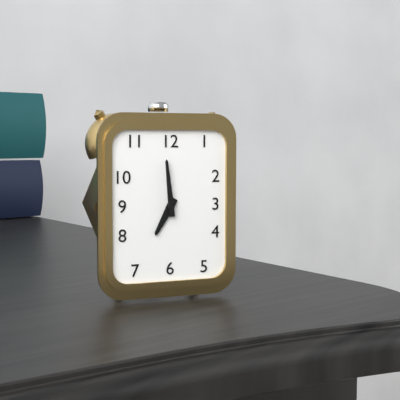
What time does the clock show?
6:59
